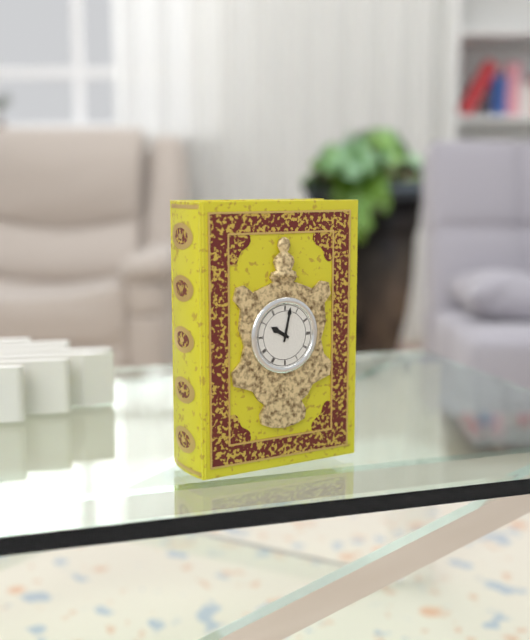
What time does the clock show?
10:02
